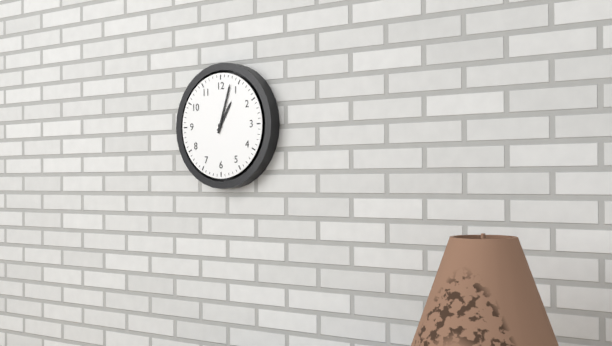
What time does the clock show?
1:03
